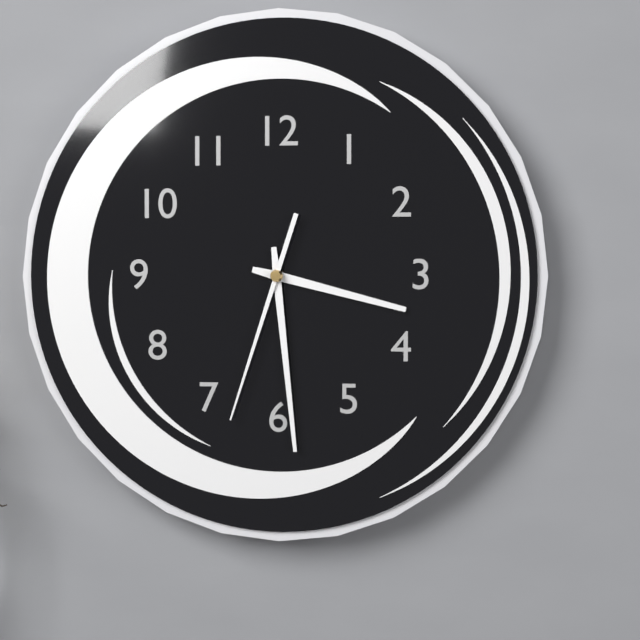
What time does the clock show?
3:29:33
